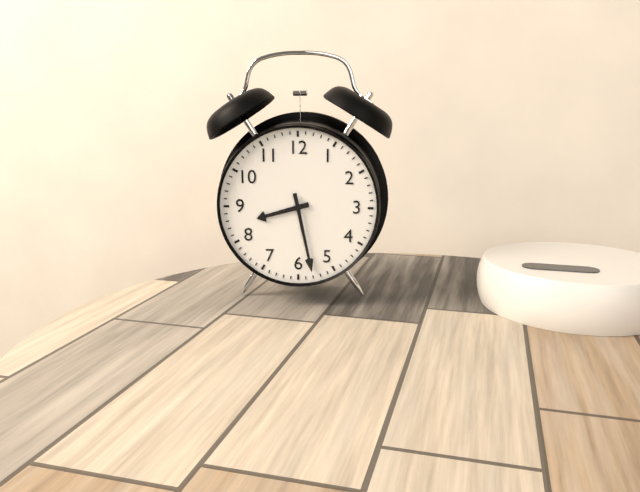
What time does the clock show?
8:28
